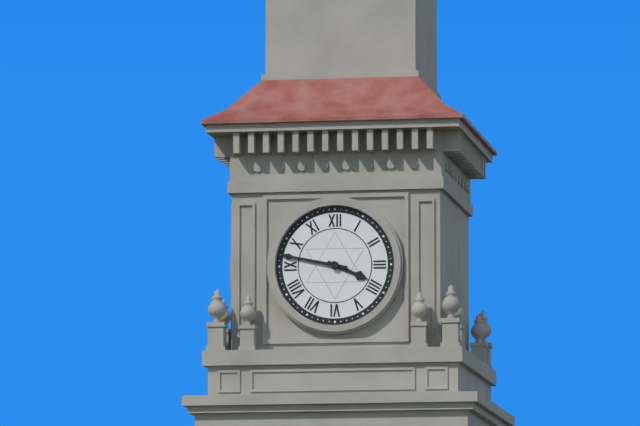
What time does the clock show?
3:47
